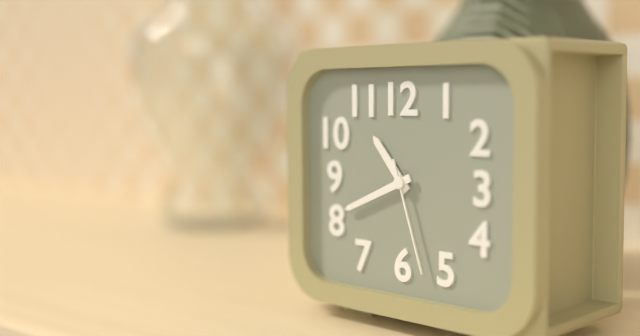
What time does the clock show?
10:41:27
